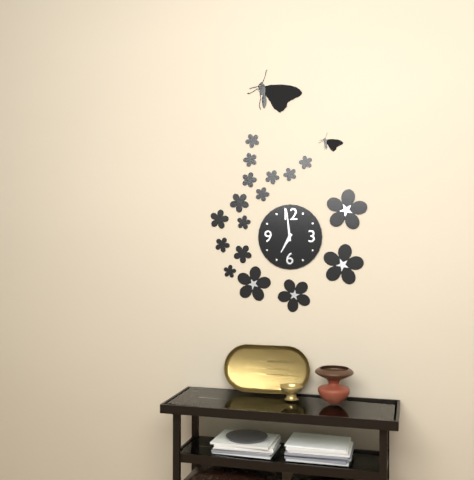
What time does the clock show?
6:59
